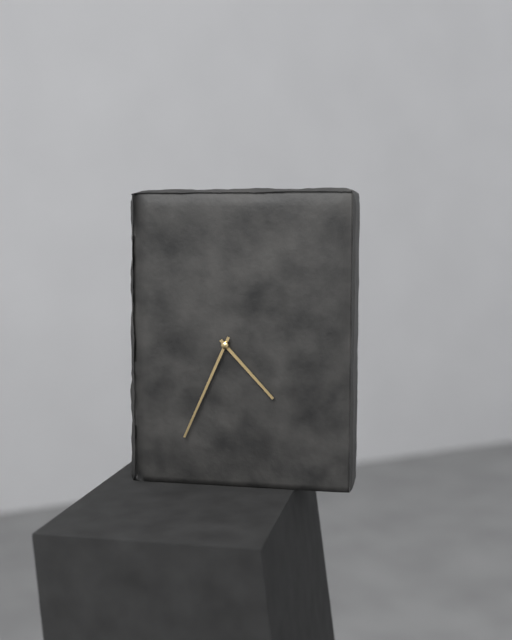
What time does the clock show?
4:34
